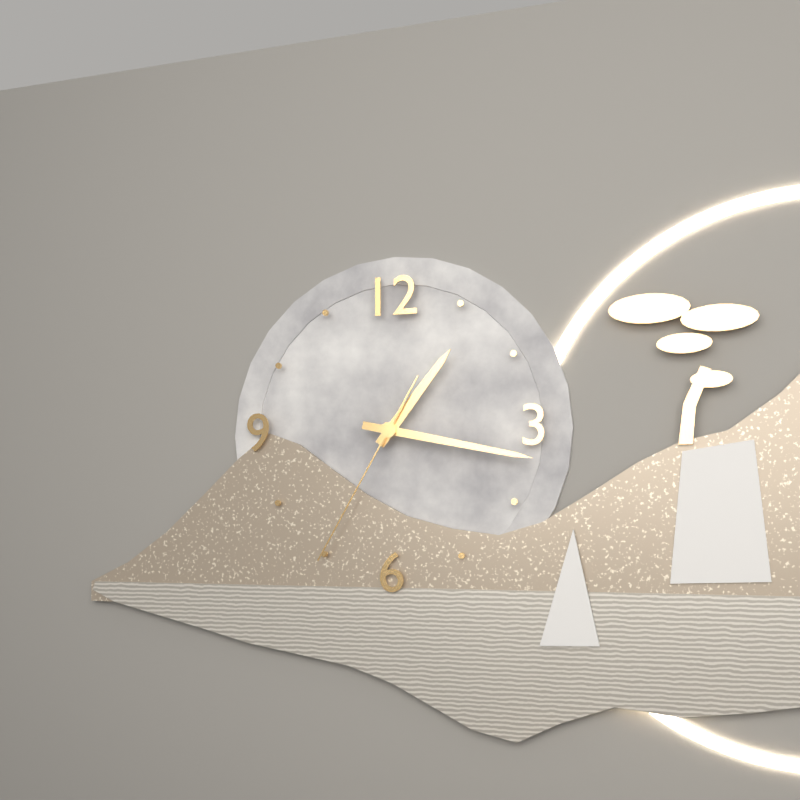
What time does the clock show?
1:17:35
